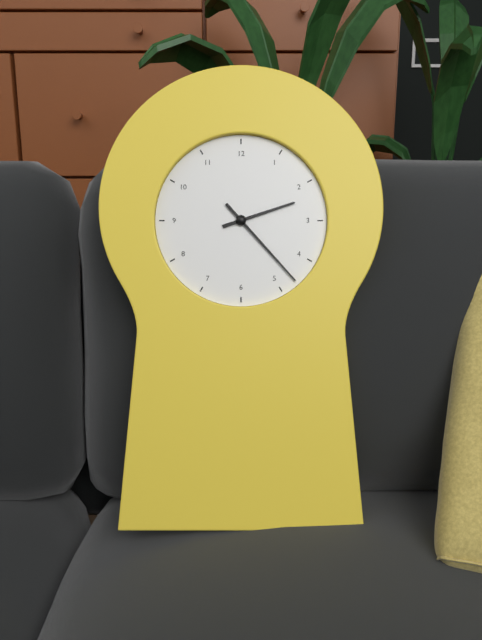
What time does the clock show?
2:23
